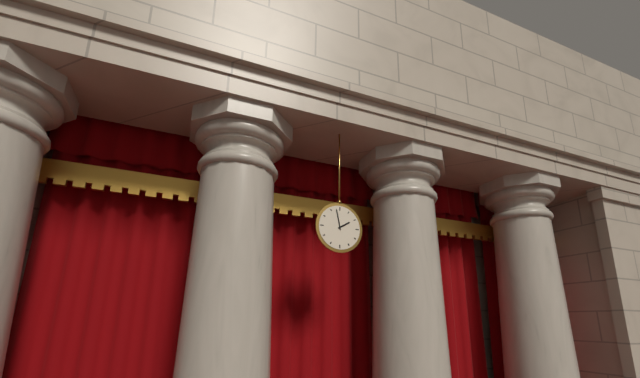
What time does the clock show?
1:58
